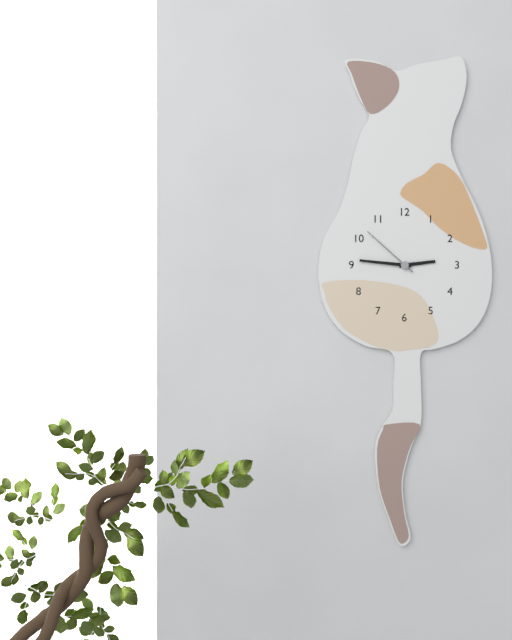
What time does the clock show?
2:46:52
